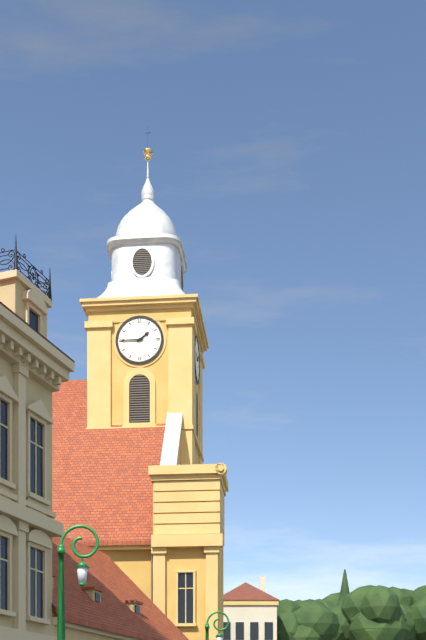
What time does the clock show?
1:45
